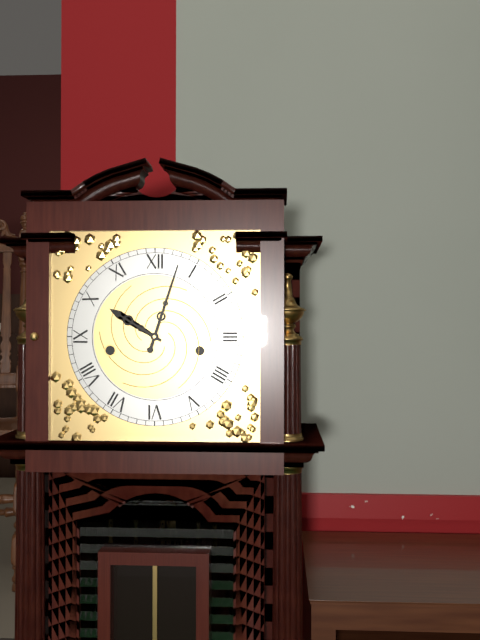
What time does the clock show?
10:03
